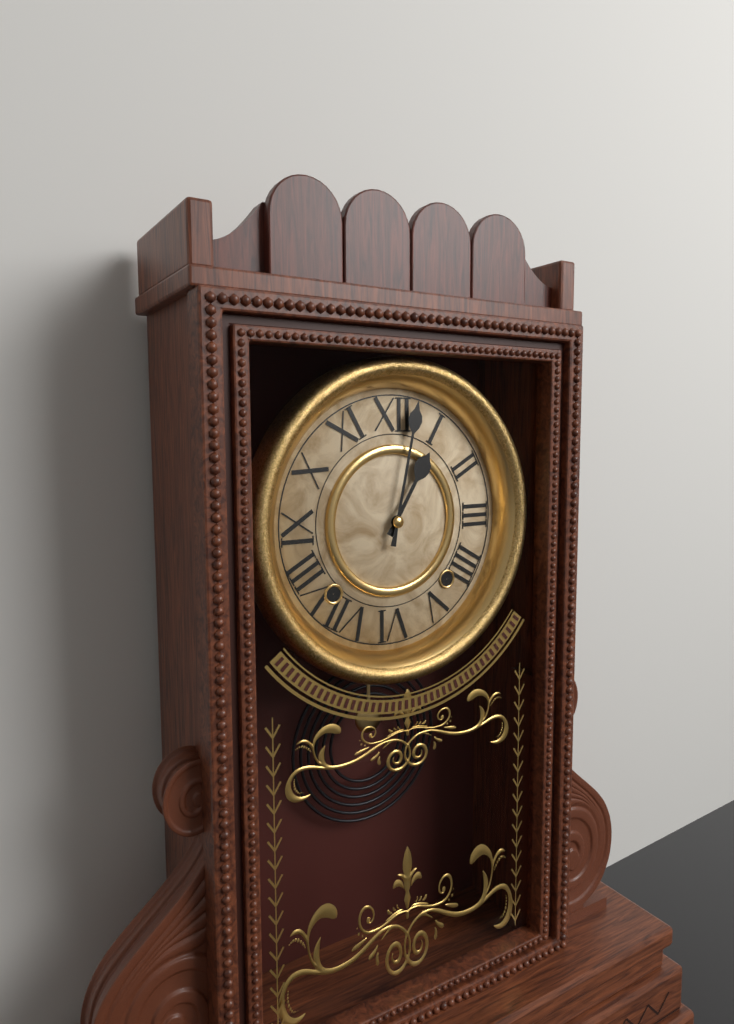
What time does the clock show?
1:02
